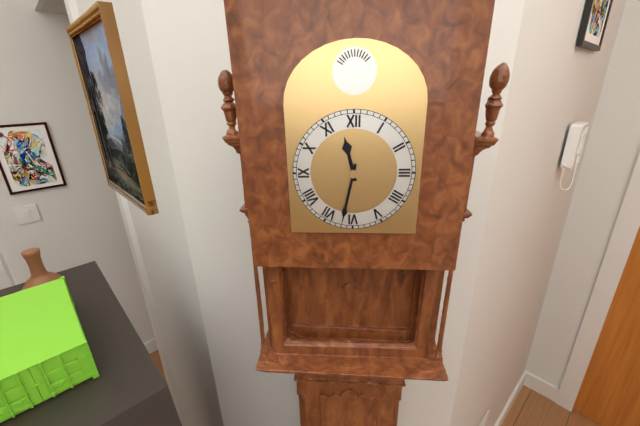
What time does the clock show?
11:32
